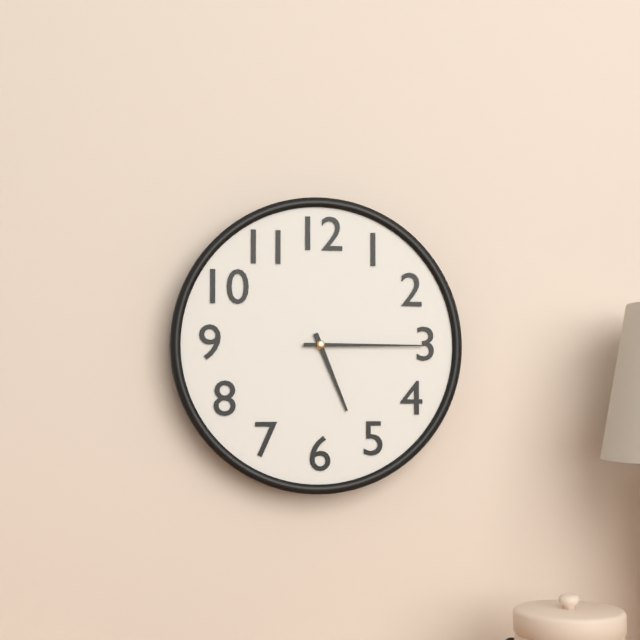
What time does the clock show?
5:15
